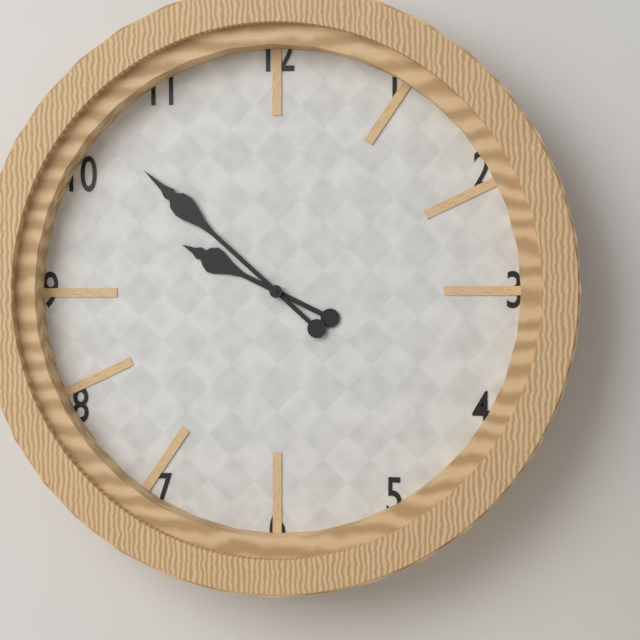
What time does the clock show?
9:52
